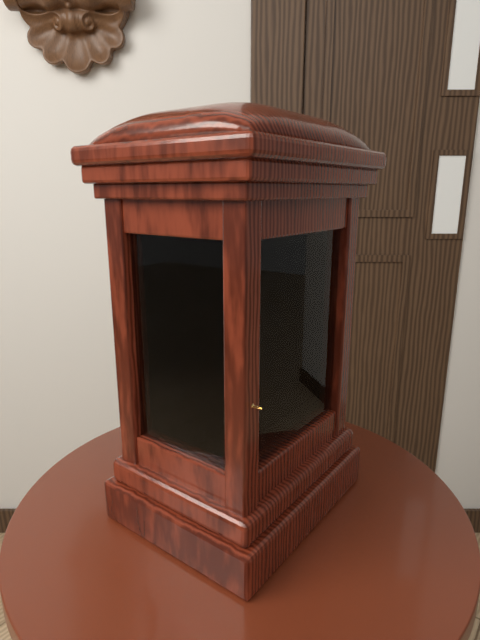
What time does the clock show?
3:57
